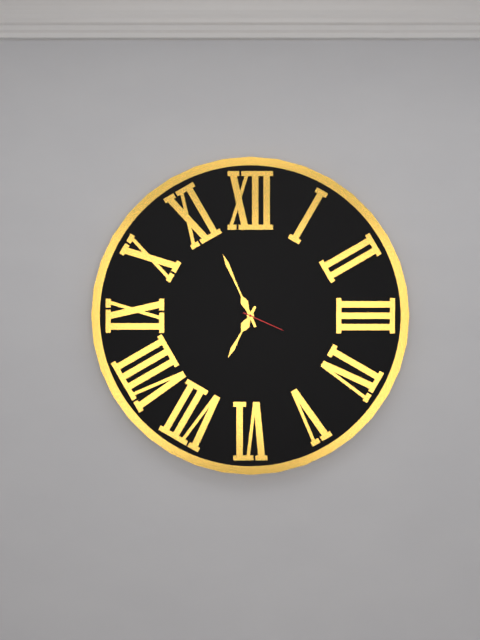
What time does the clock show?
6:56
